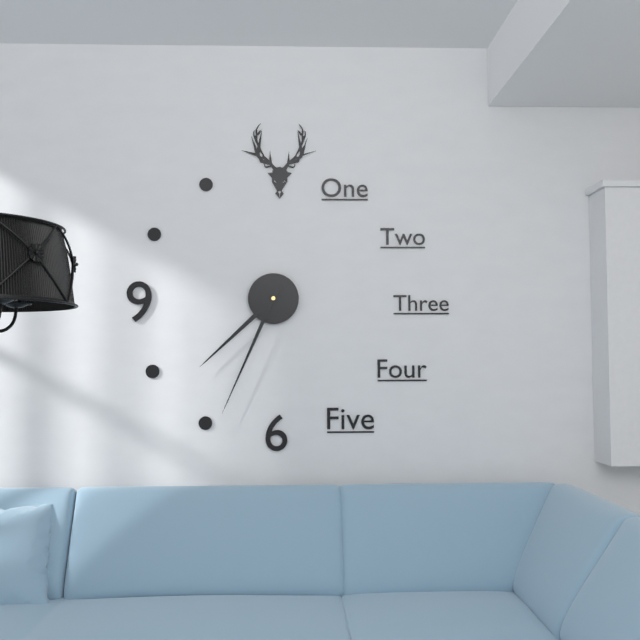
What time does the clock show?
7:34
